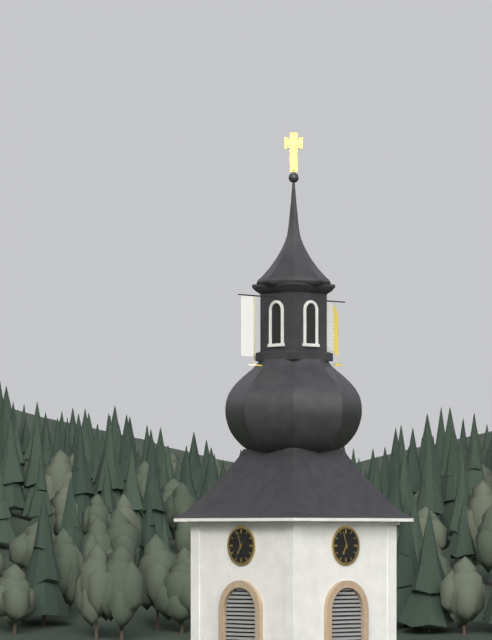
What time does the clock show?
6:57
